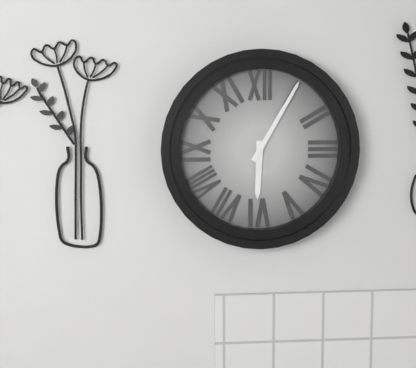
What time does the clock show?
6:05
